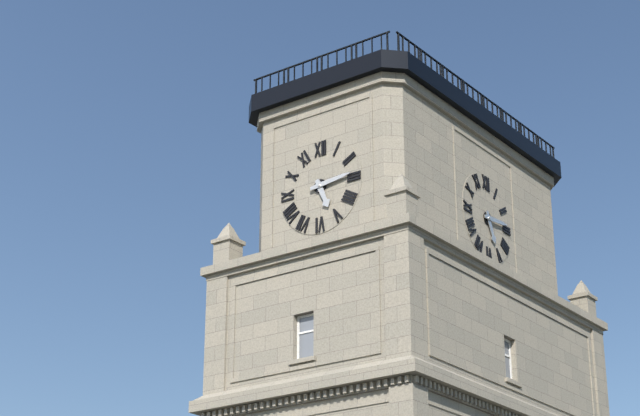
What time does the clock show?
5:14
